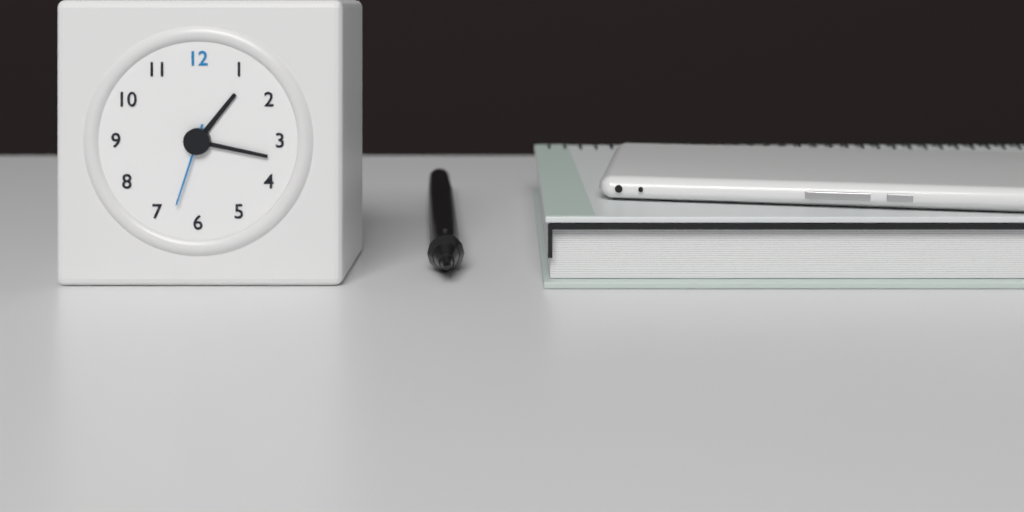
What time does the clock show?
1:17:33
